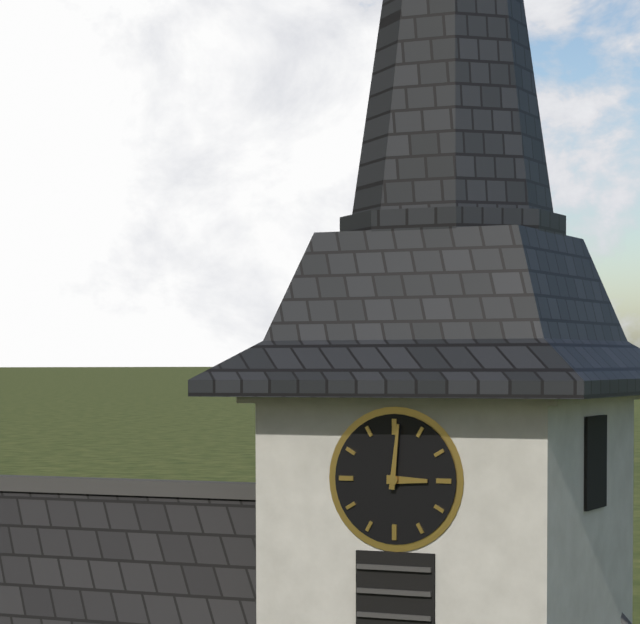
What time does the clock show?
3:01
